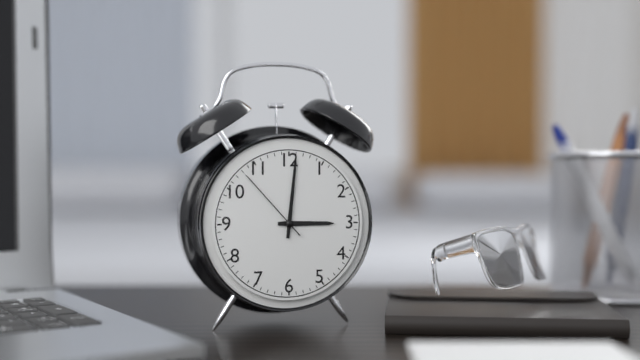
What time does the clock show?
3:01:53
